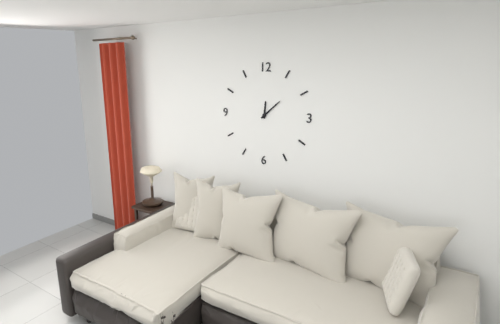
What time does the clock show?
12:08
